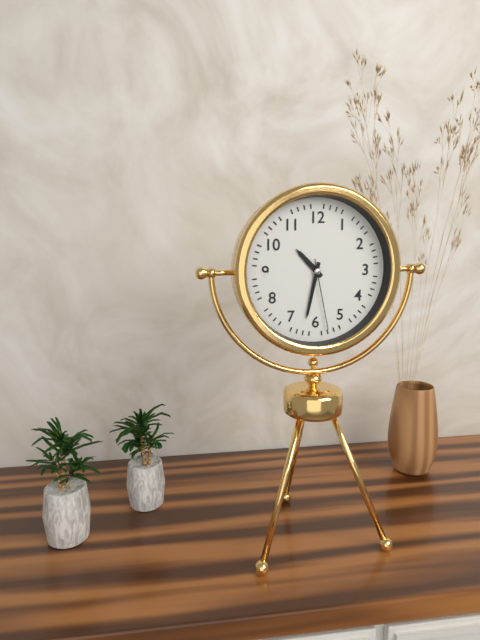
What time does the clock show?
10:32:28
